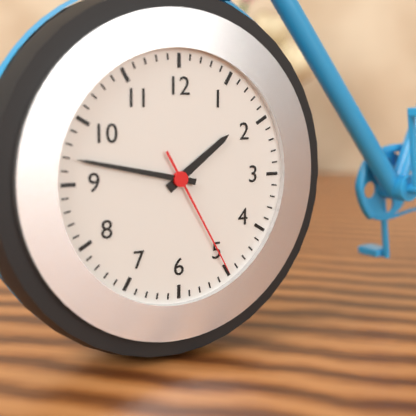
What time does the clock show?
1:47:25
